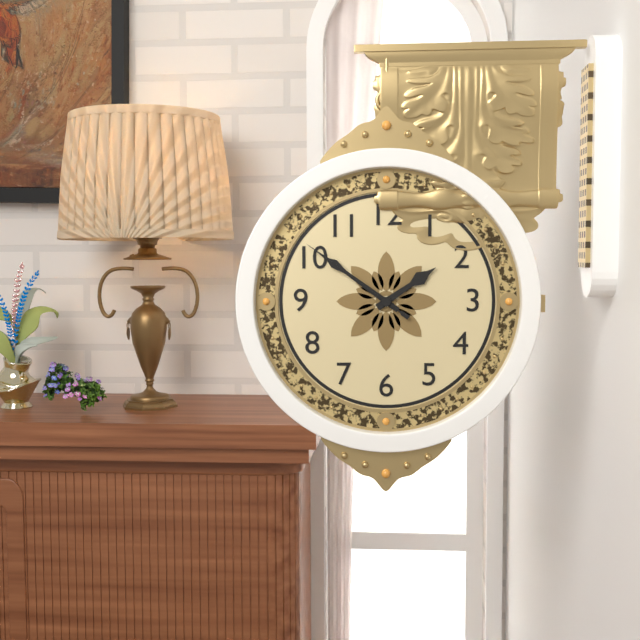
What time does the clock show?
1:51:51
